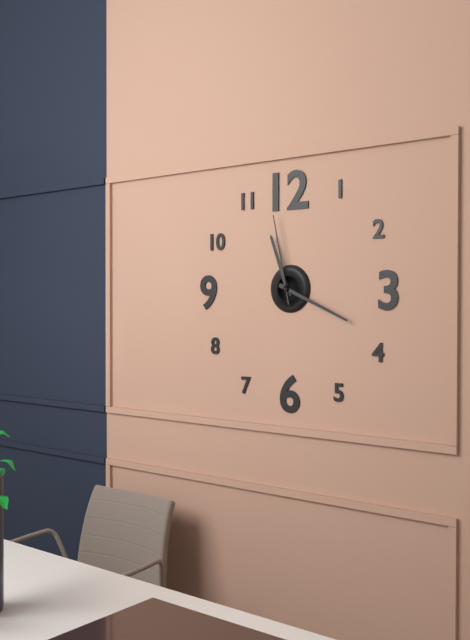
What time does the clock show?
11:19:58
